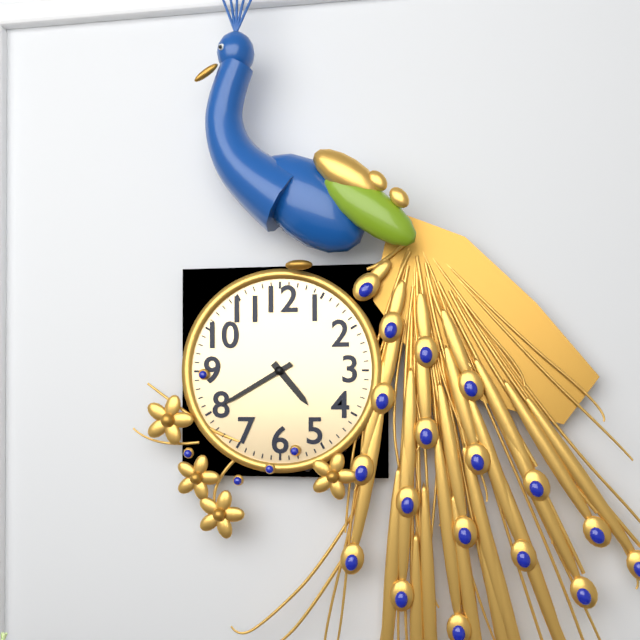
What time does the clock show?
4:40
